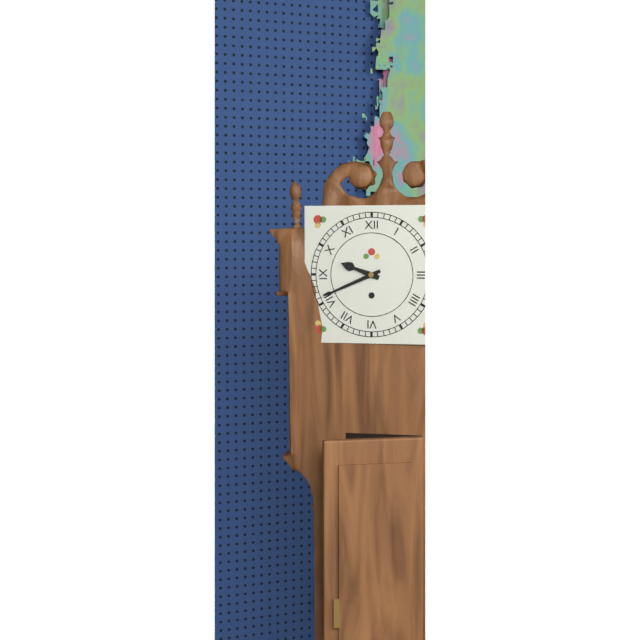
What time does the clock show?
9:41
